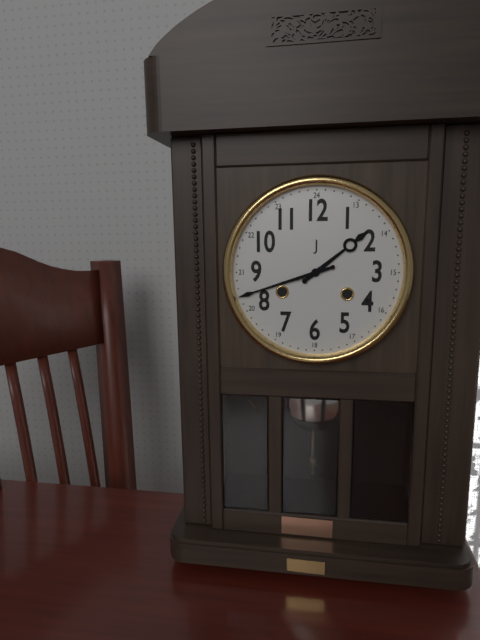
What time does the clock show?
1:42
